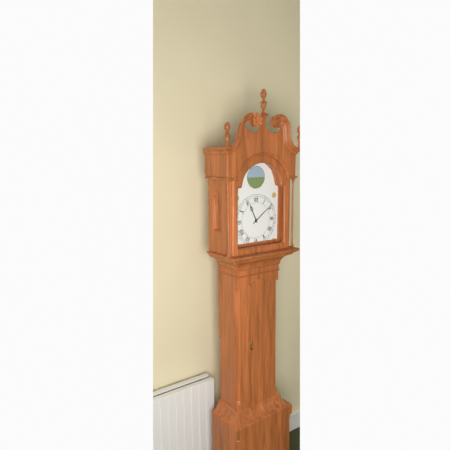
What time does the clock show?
11:09
